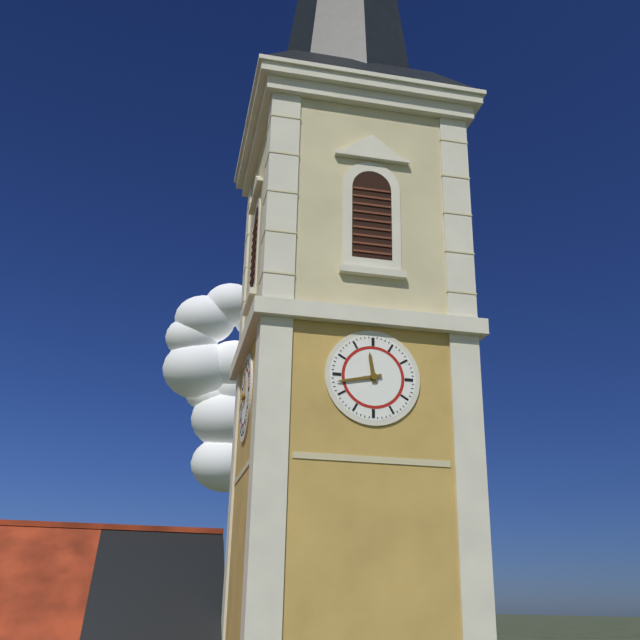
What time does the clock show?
11:43
